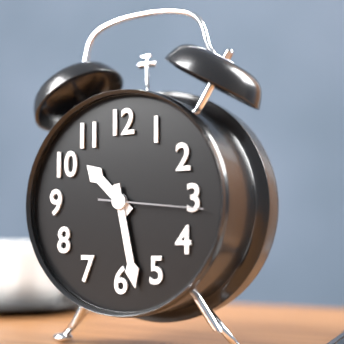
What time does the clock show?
10:28:16
